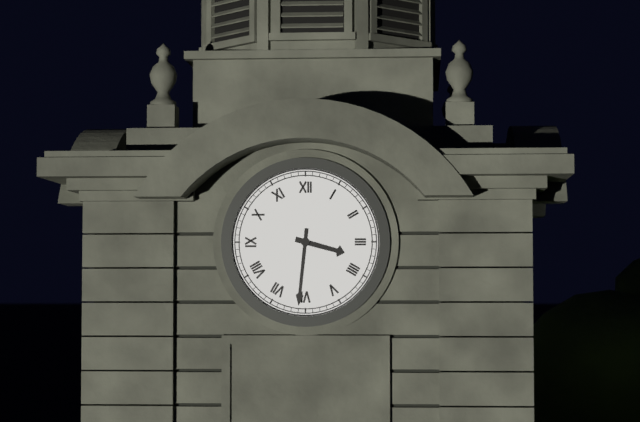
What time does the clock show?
3:31
